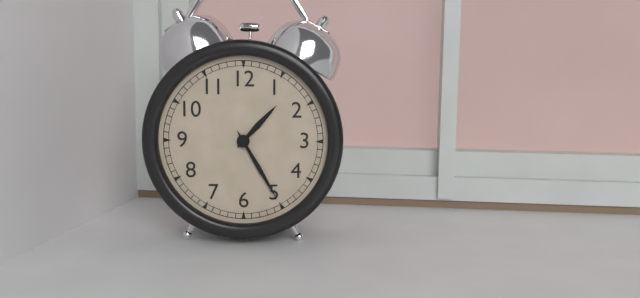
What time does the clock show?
1:25
